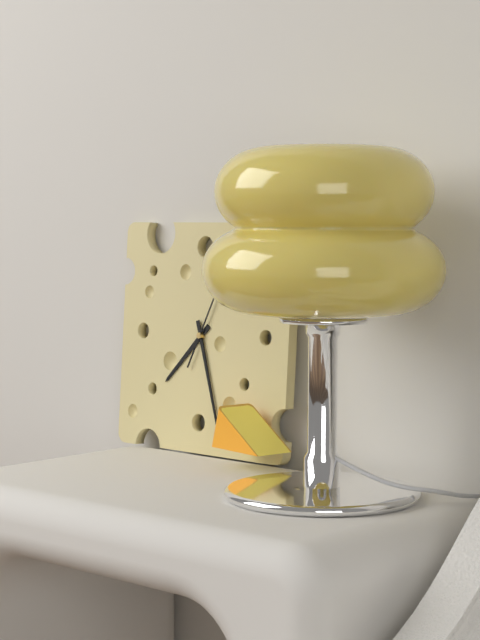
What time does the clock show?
7:27
